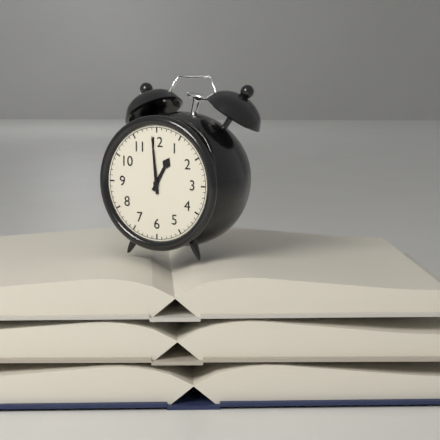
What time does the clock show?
12:59
